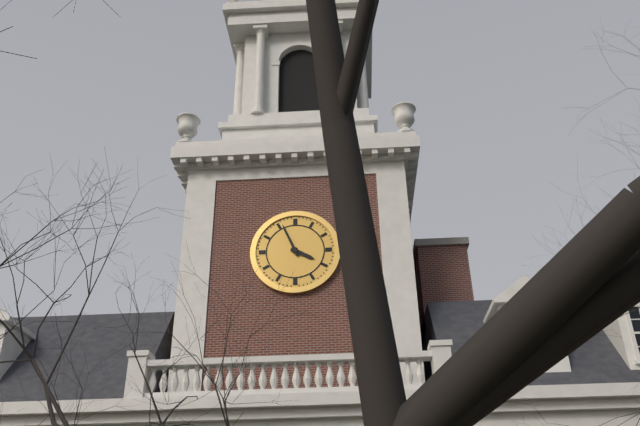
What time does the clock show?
3:56
